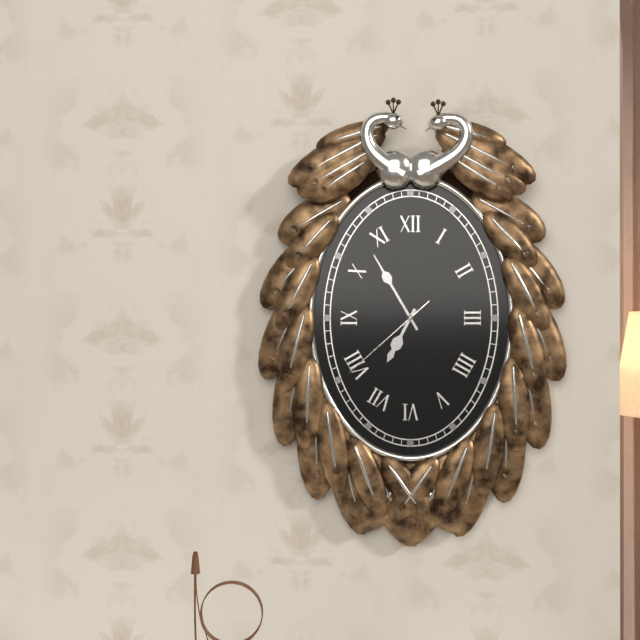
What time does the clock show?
6:55:38
